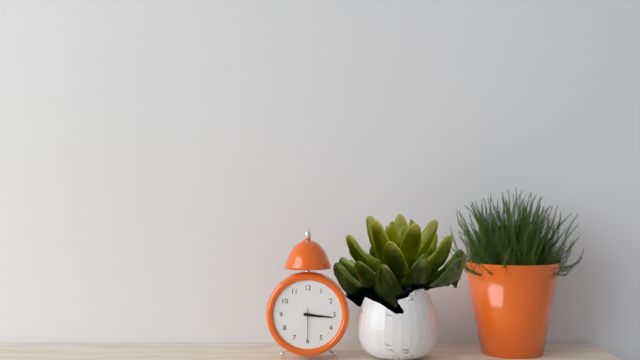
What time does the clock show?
3:16
